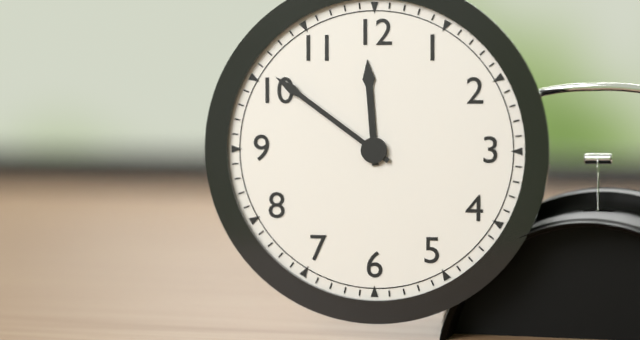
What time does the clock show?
11:51
